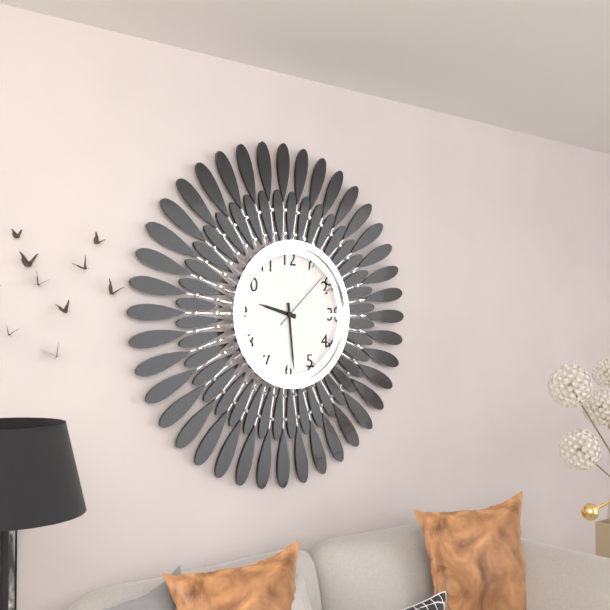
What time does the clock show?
9:29:08
